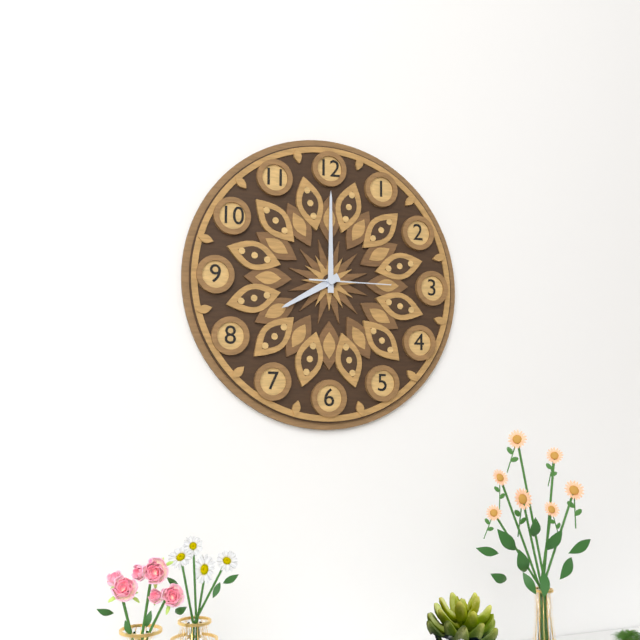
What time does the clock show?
8:00:15
